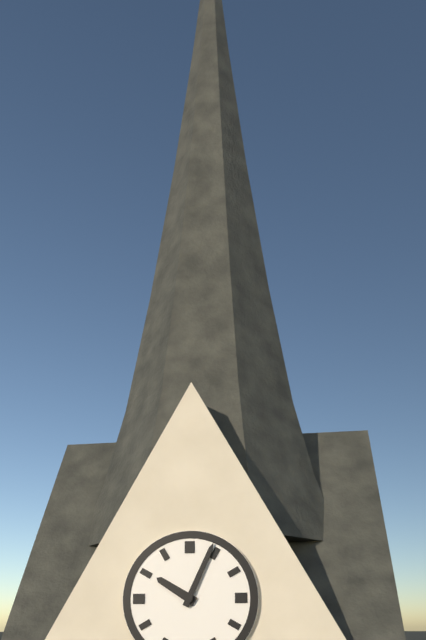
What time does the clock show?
10:04
